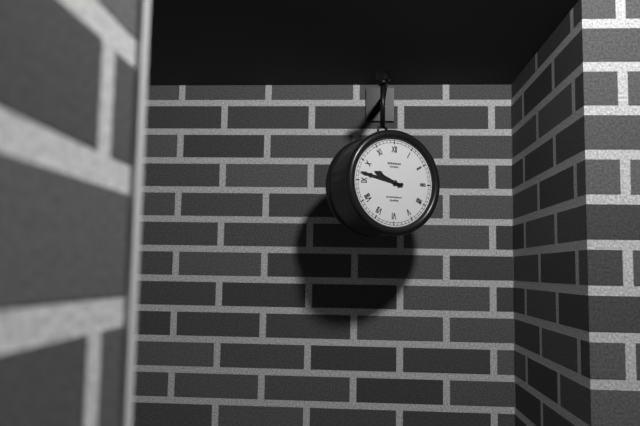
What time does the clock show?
9:47
